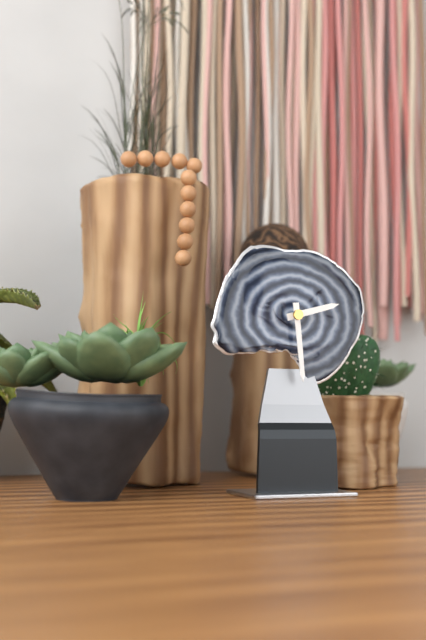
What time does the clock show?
2:29
